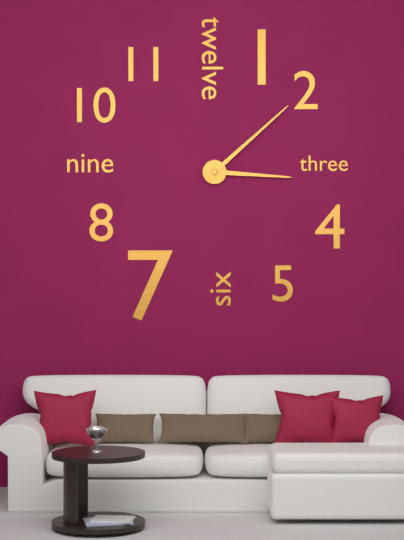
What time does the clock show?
3:08
